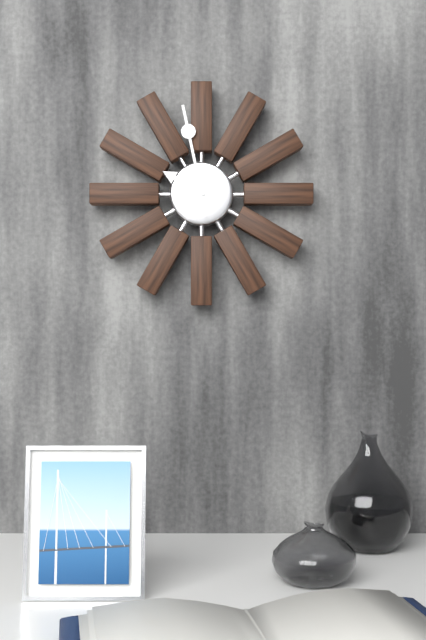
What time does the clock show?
9:58
